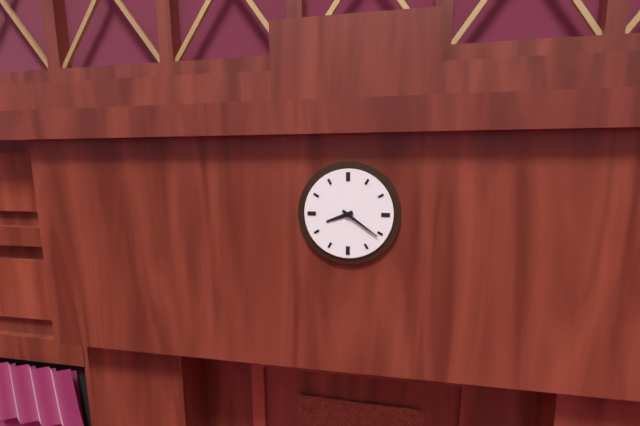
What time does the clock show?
8:21
